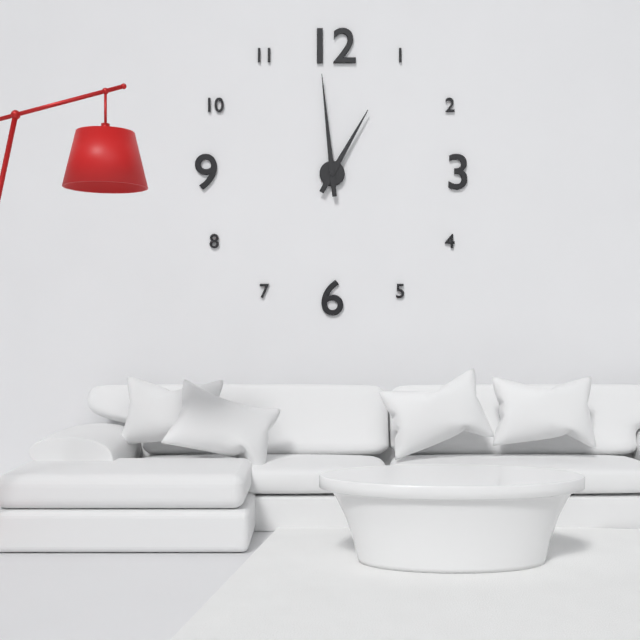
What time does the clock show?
12:59
